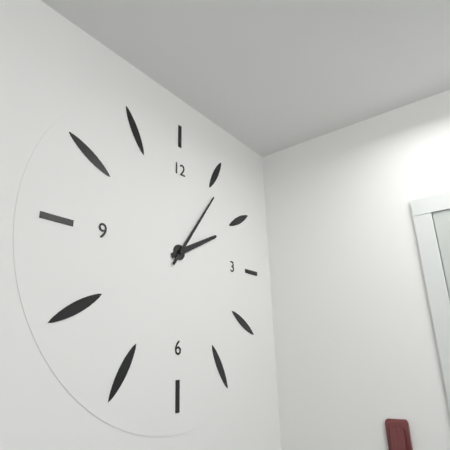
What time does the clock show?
2:06
